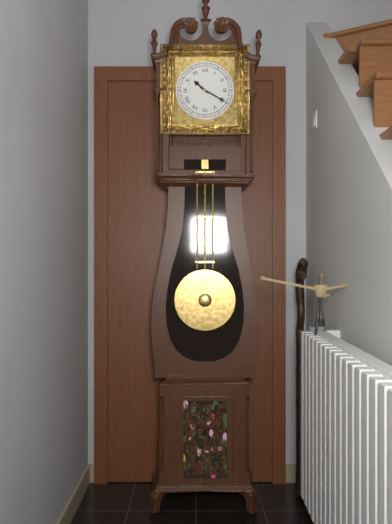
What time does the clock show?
10:20
